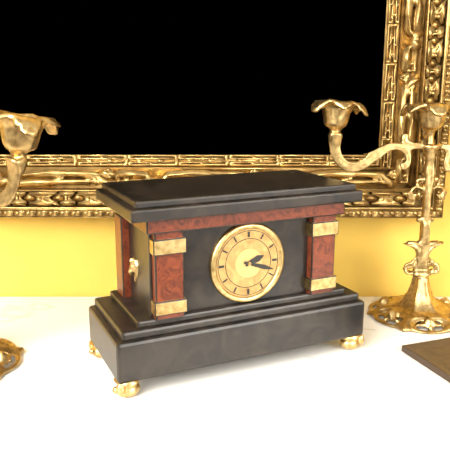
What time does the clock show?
2:18
